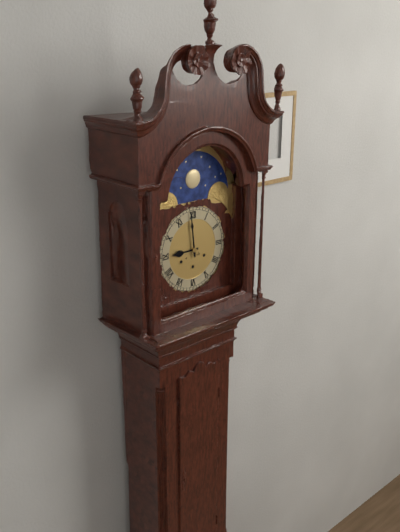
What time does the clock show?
8:59
